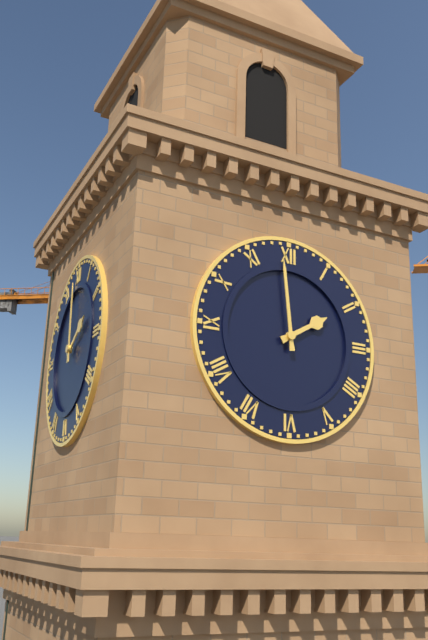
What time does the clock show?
1:59
